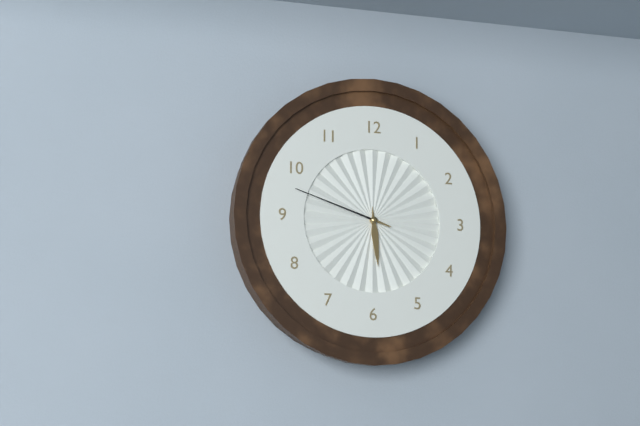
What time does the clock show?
5:48
